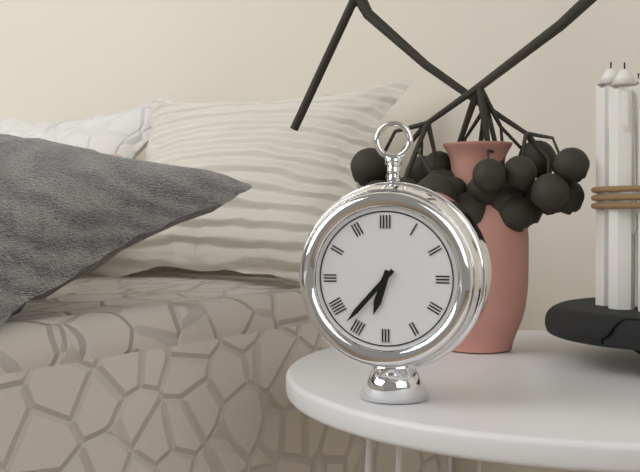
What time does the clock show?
6:37
